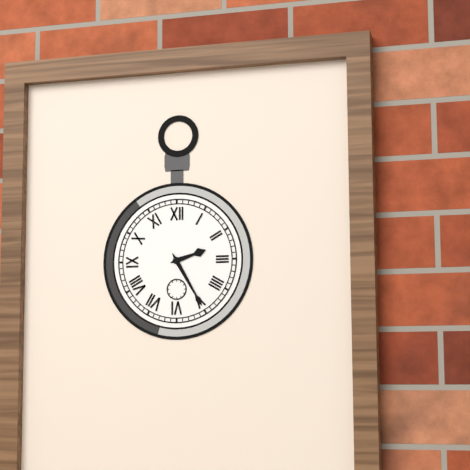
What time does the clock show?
2:25
